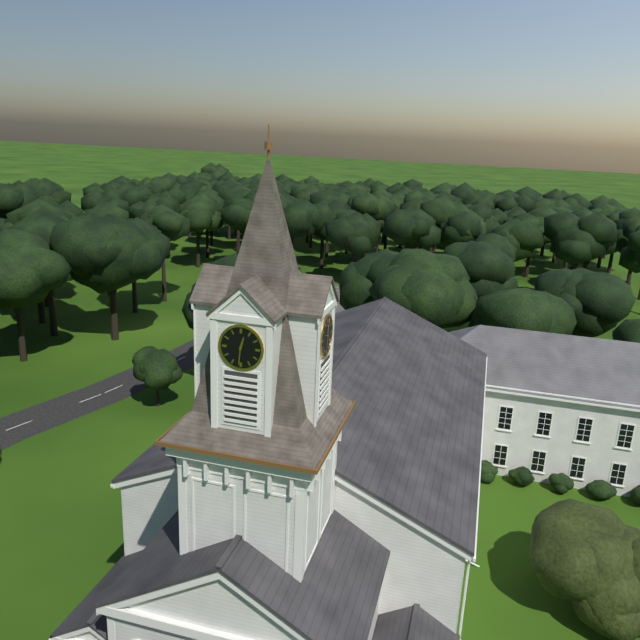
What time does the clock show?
12:31
